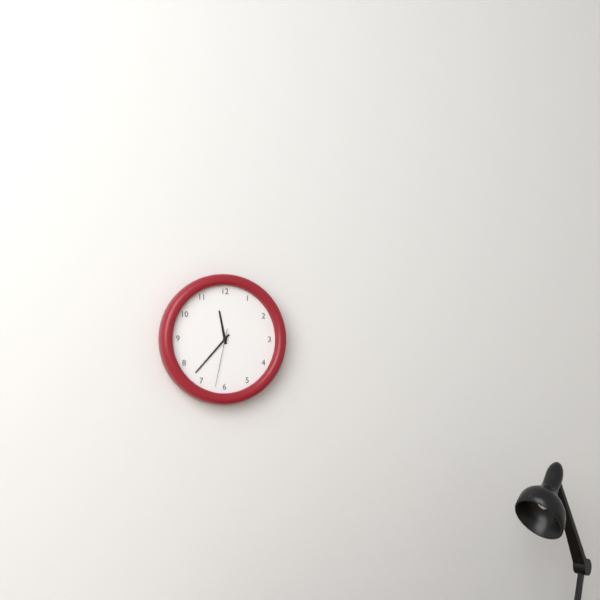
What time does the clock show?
11:37:32
